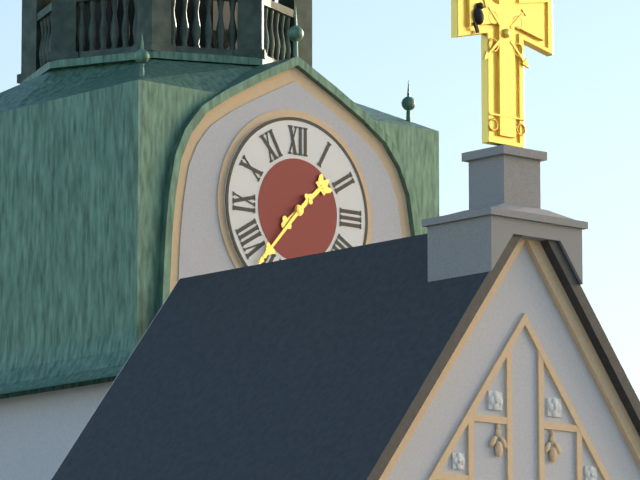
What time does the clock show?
1:37
